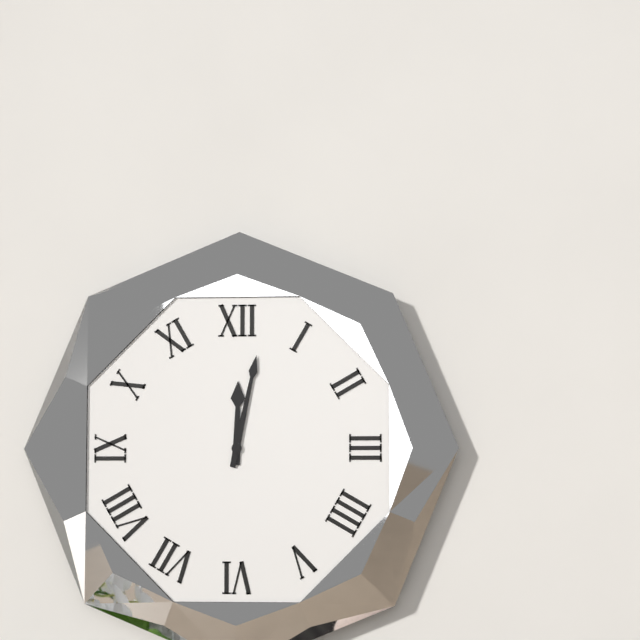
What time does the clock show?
12:02
